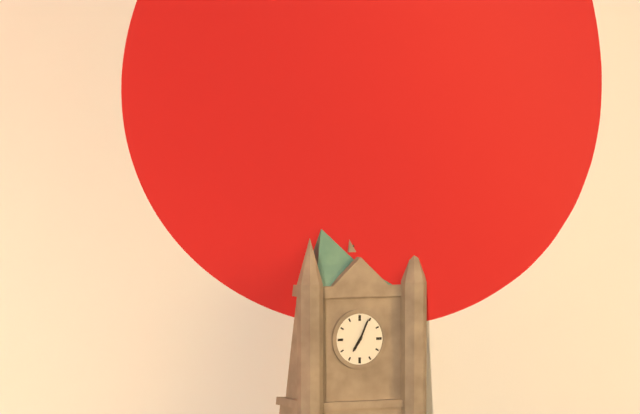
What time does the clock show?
7:04
